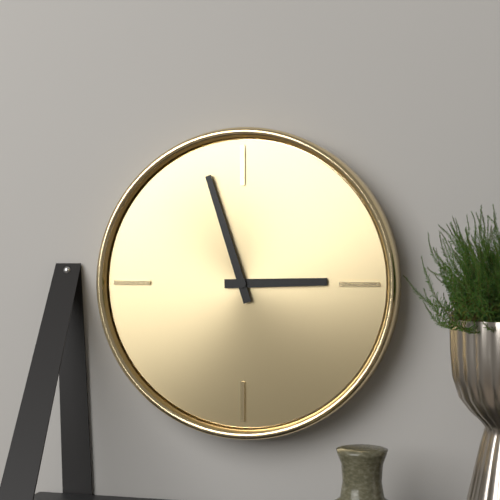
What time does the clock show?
2:57
